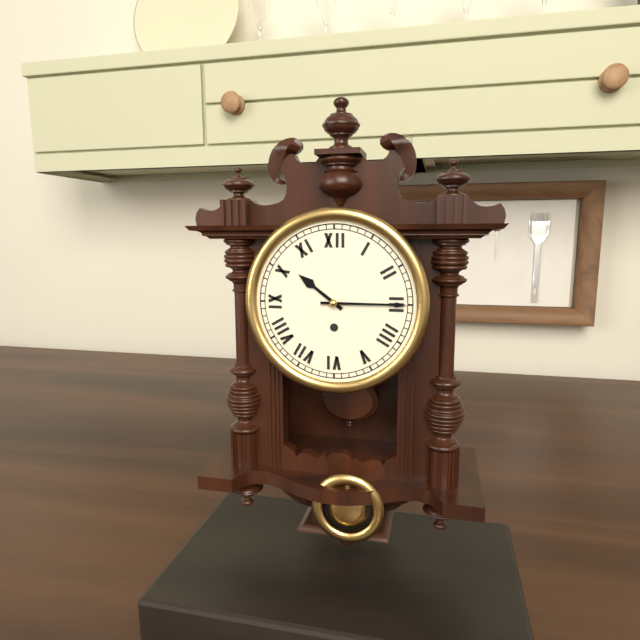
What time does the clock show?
10:15
